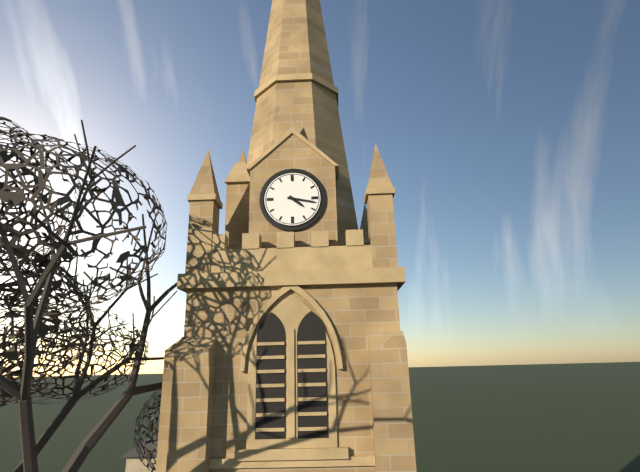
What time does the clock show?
4:17
